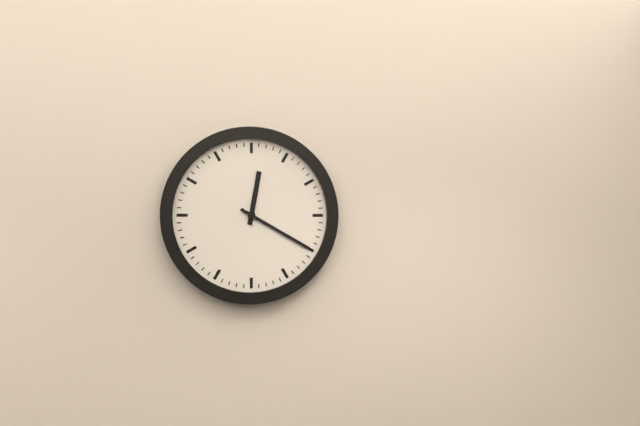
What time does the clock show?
12:20
